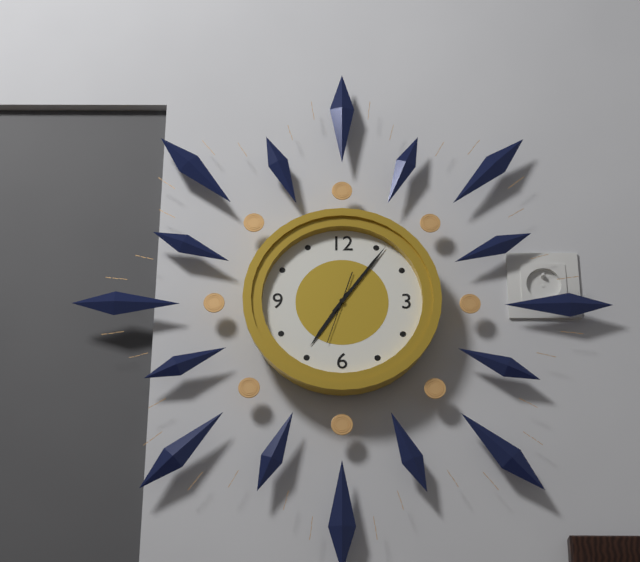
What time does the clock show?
7:06:33
